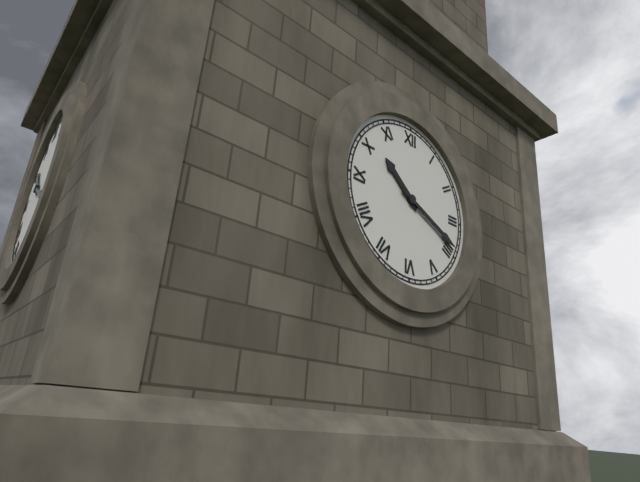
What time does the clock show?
10:19
